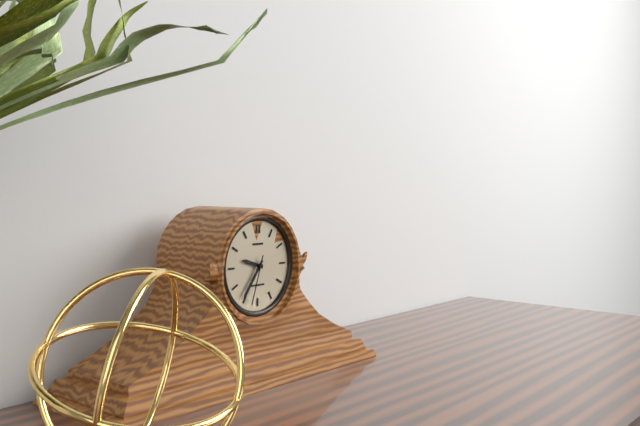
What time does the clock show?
9:36:33
